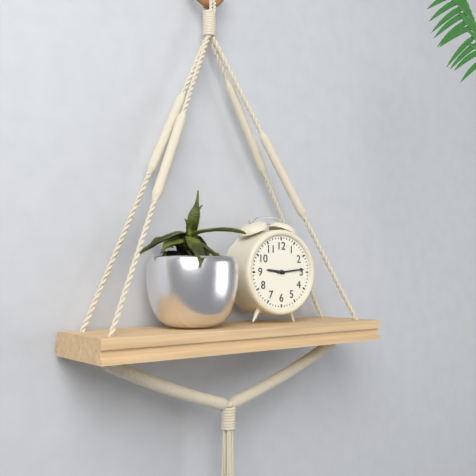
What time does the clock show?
9:14
